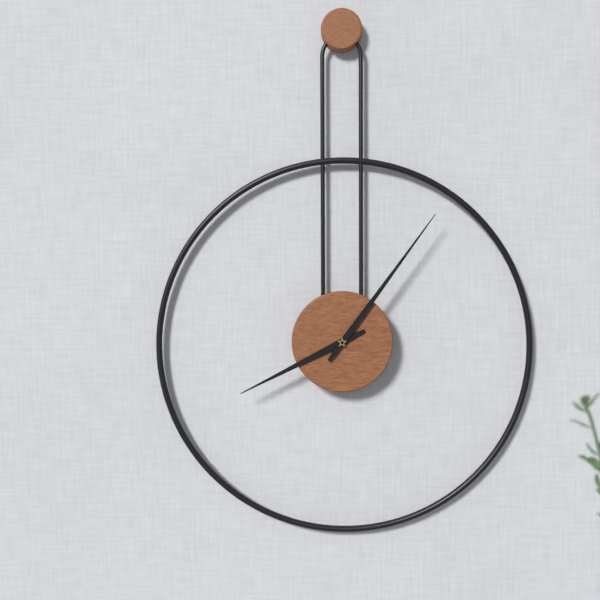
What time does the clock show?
8:06
